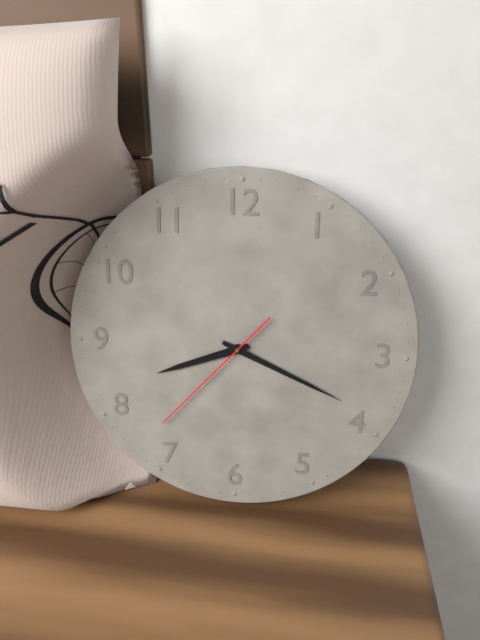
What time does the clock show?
8:19:37
